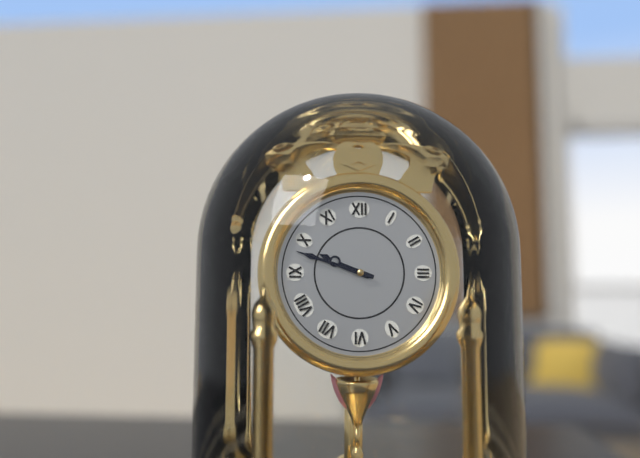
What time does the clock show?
9:48
